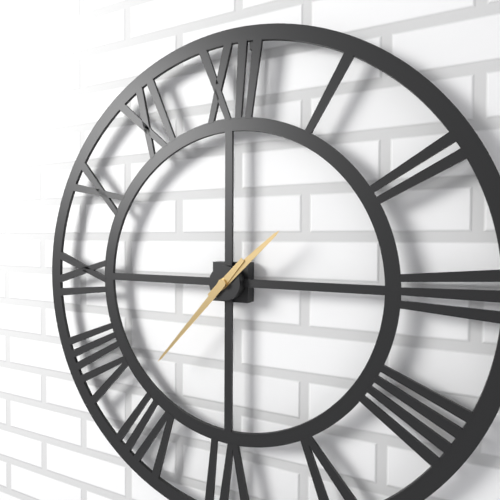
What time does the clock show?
1:37
